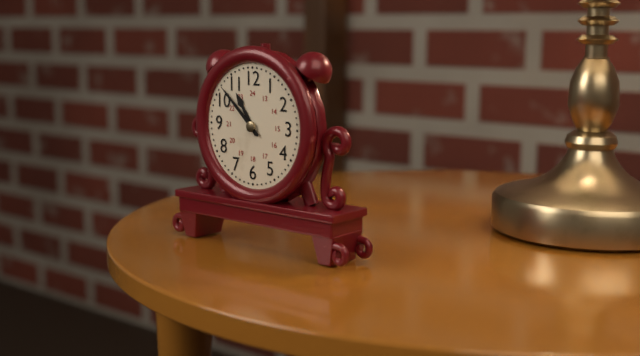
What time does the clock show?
10:52
